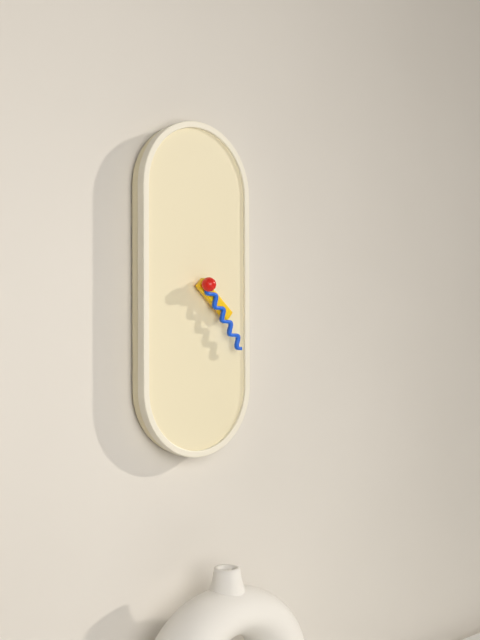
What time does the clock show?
4:24
